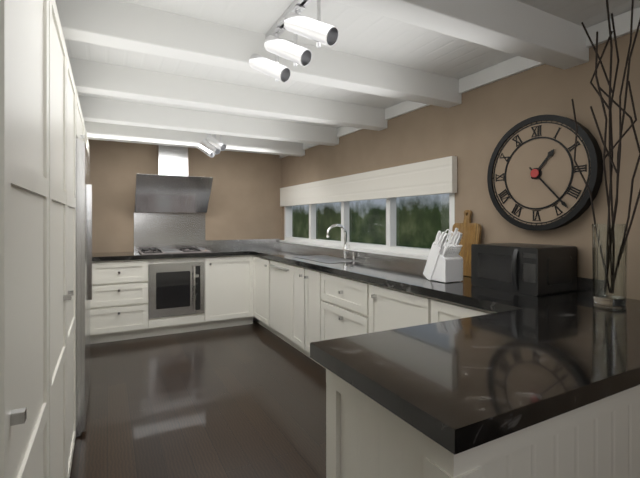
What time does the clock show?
1:23
